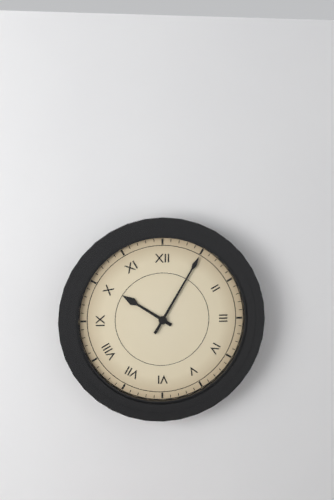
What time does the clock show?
10:05
